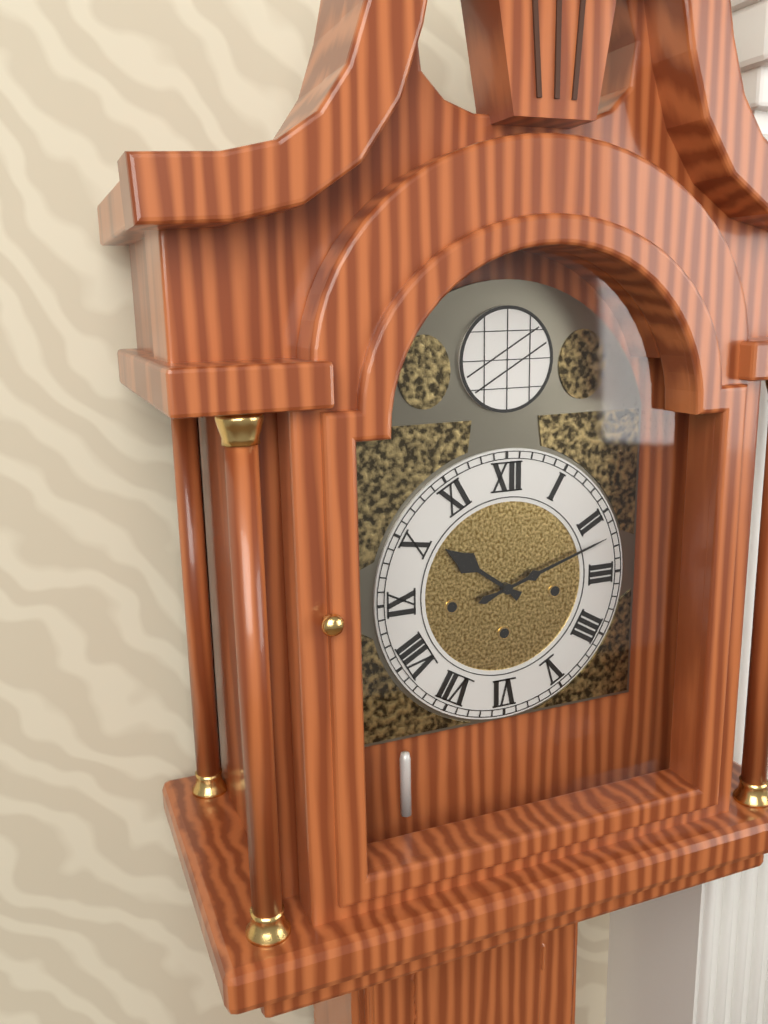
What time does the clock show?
10:12
